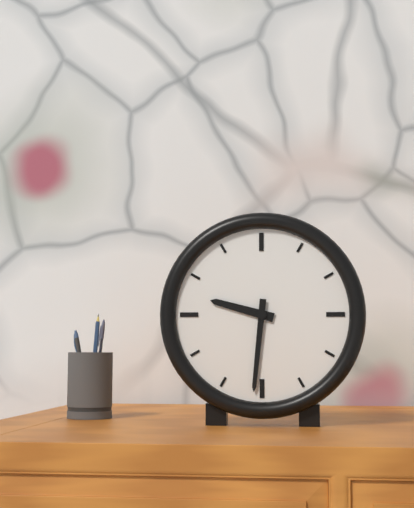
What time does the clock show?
9:31
